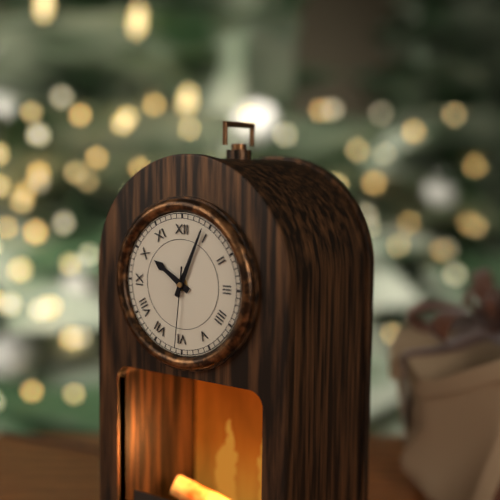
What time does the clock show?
10:04:31
